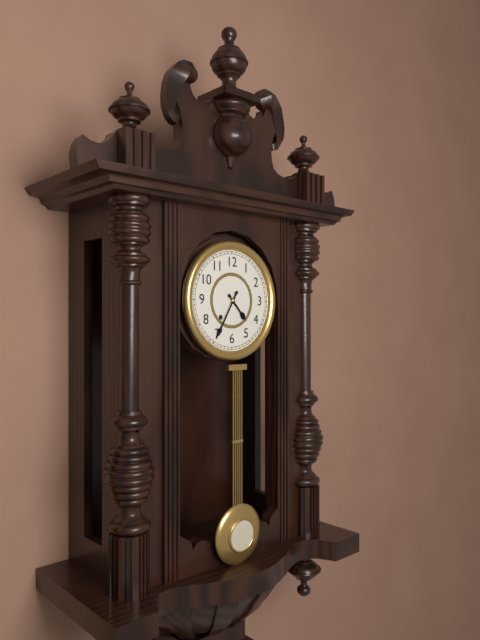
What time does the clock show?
4:35
